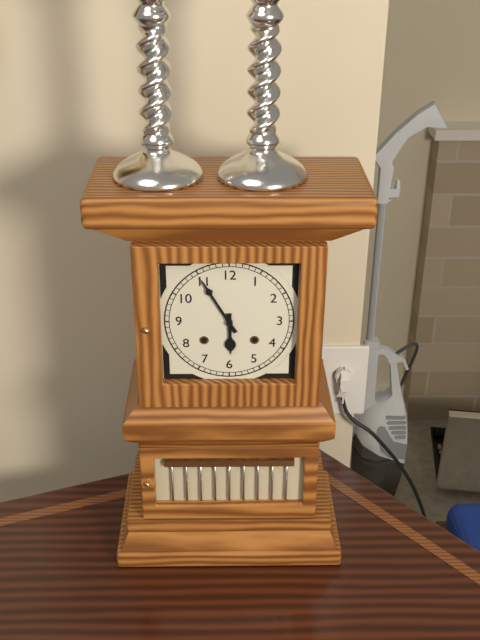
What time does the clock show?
5:55
